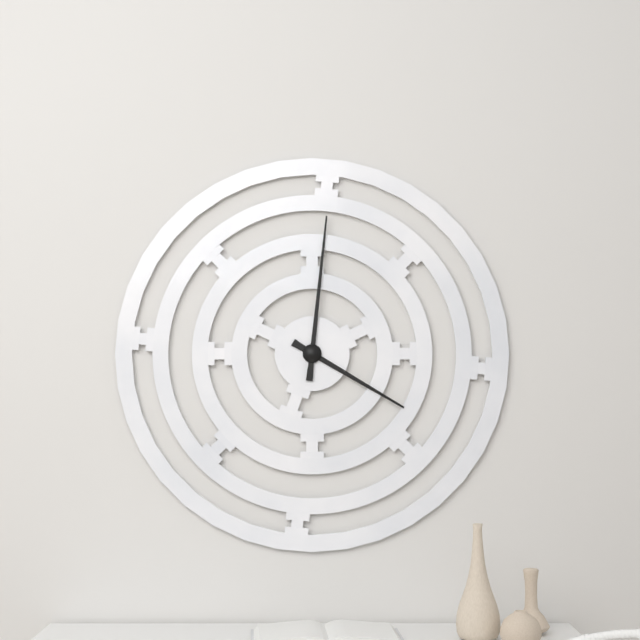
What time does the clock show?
4:01
